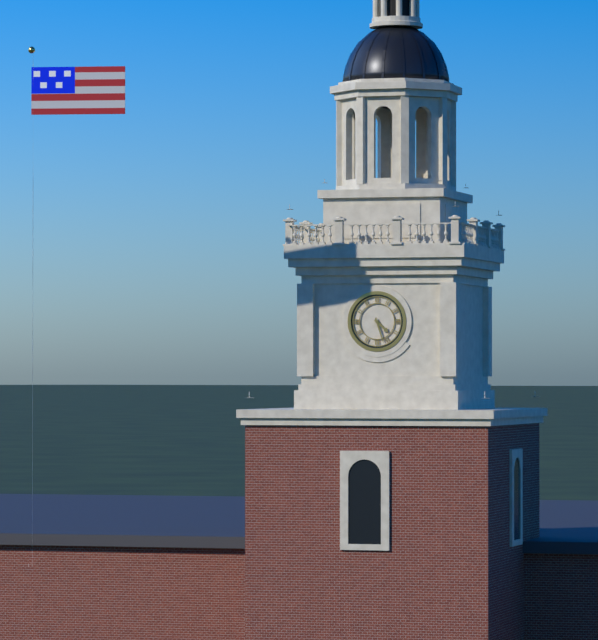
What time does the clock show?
4:27
